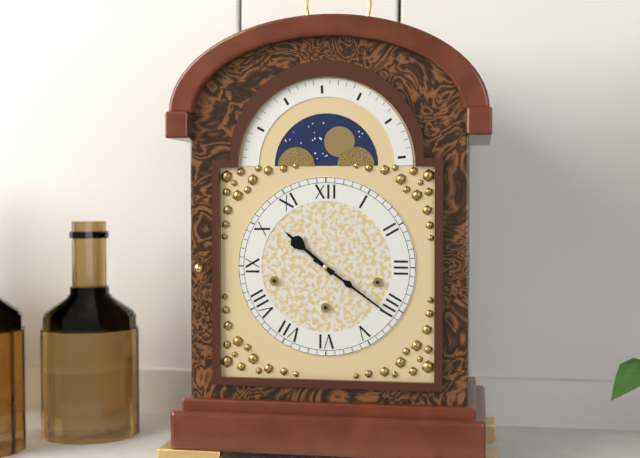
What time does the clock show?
10:21
